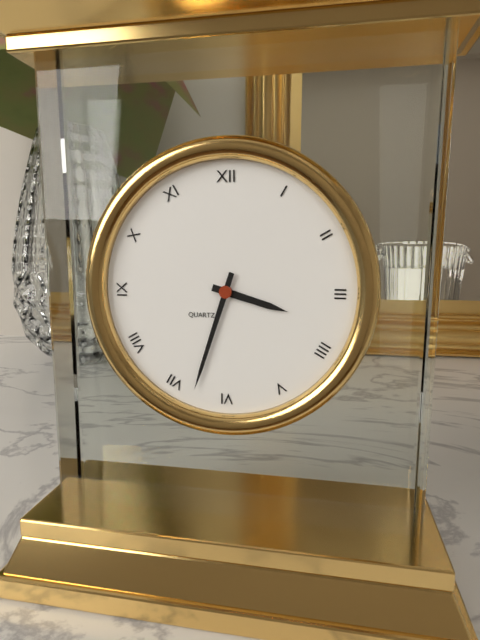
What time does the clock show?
3:33
